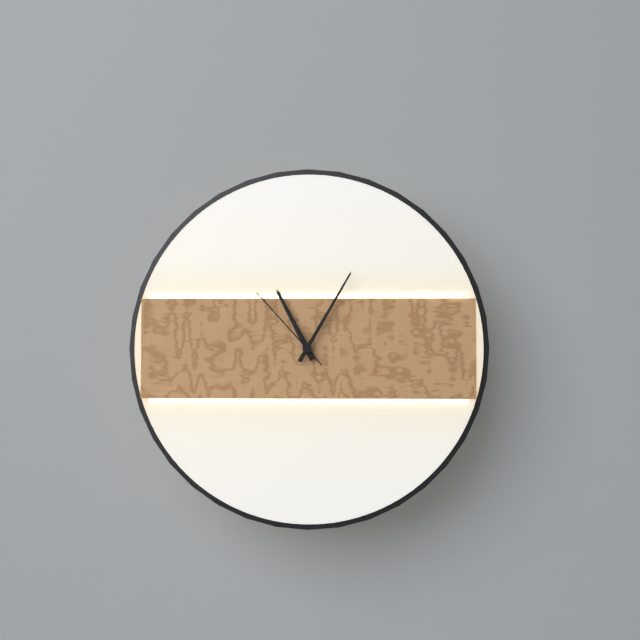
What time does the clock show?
11:05:53
